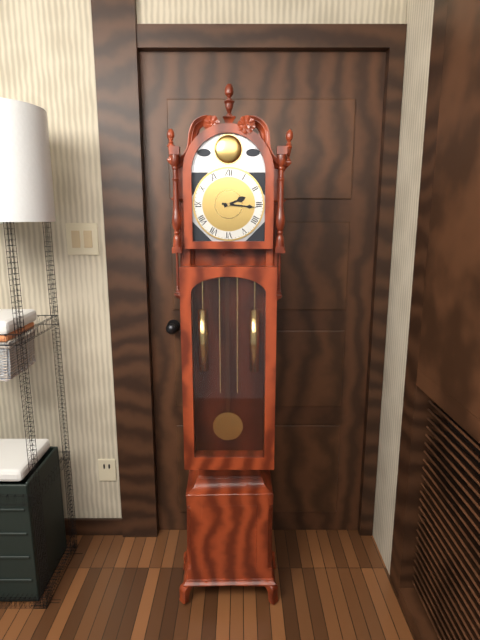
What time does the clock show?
2:16
